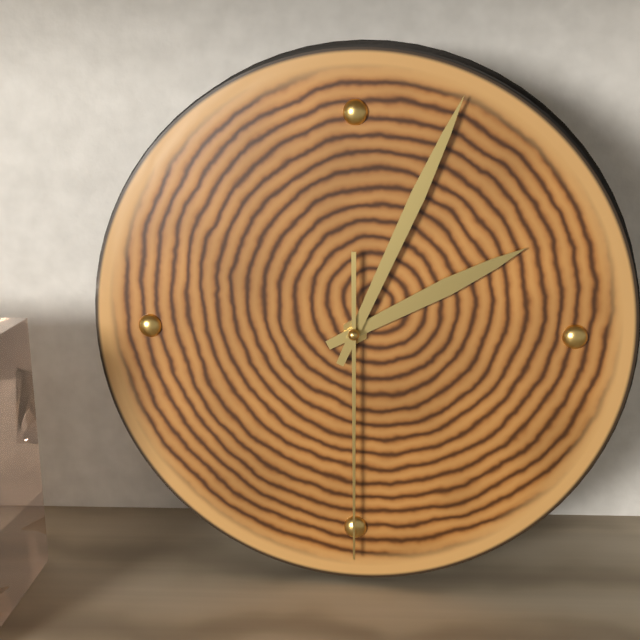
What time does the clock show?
2:04:30
